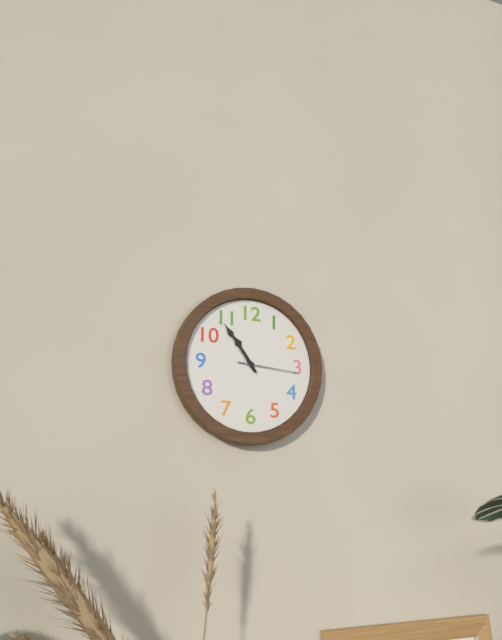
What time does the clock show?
10:54:16
